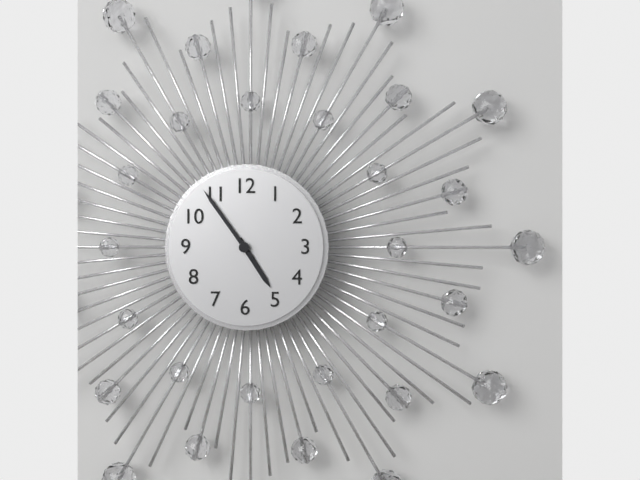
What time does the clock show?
4:54
